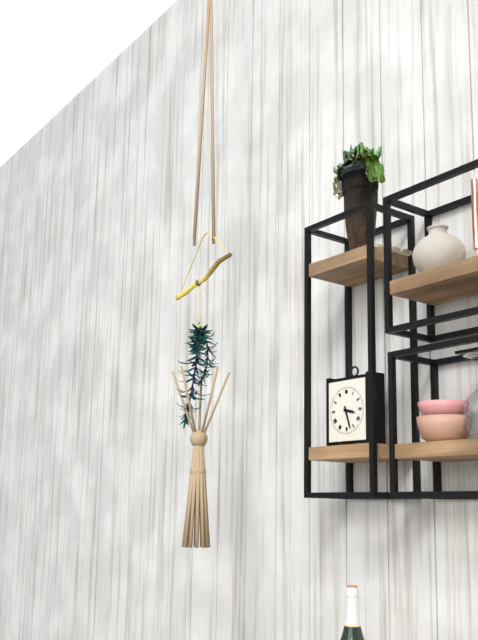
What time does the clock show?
3:27
